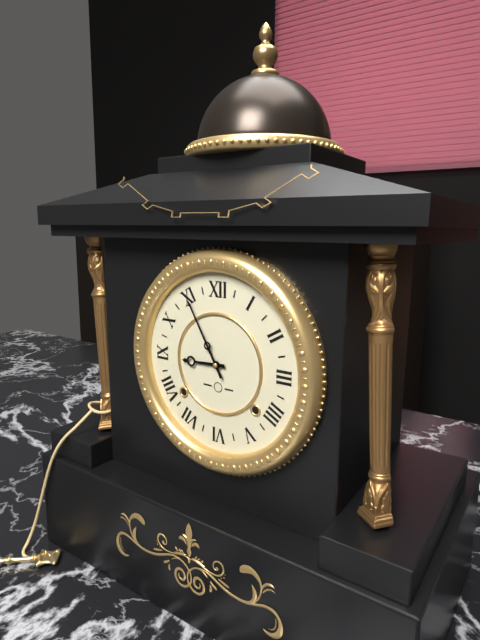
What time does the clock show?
8:55
